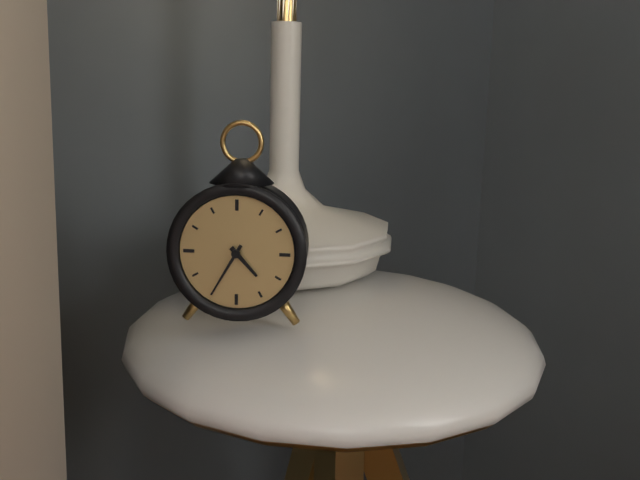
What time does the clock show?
4:35
